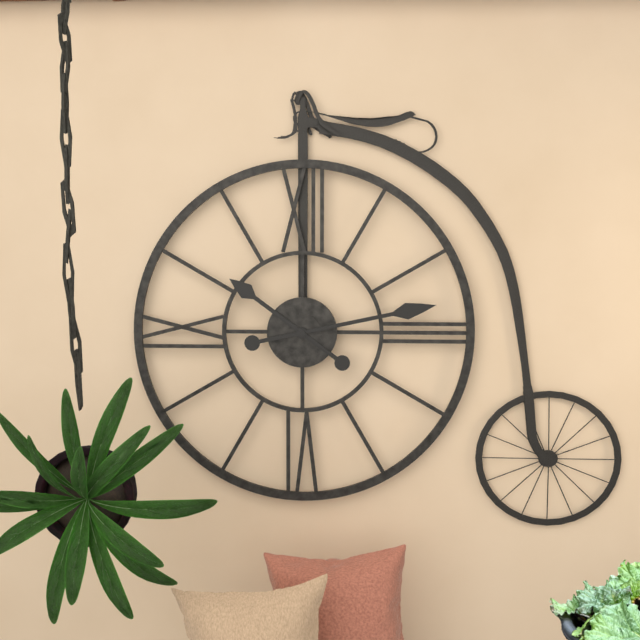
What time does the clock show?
10:13
